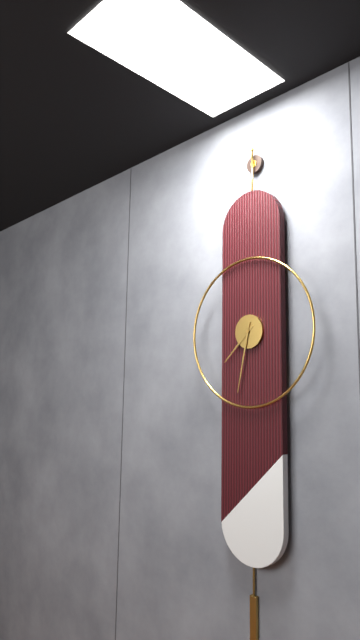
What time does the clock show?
7:32
